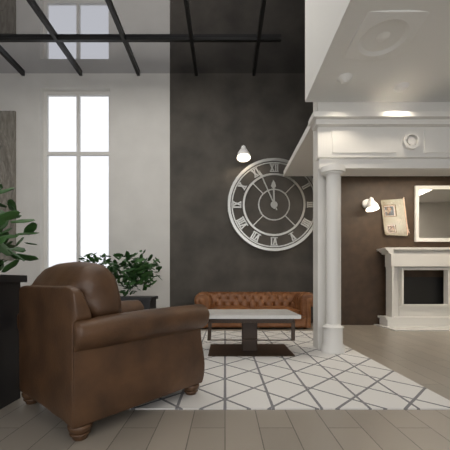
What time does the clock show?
11:56
